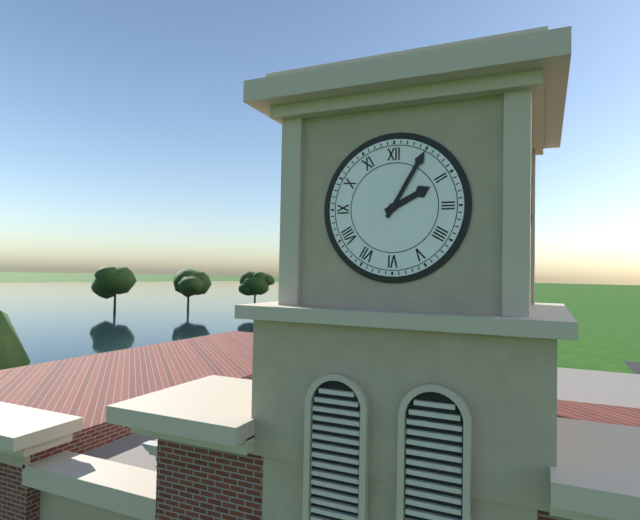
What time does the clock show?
2:05
